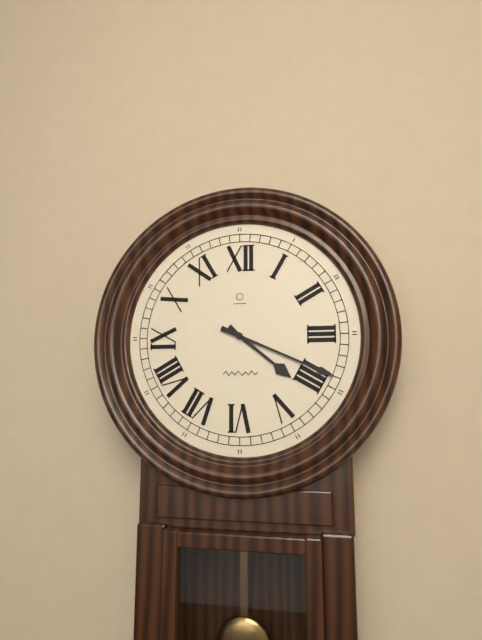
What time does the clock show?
4:19
